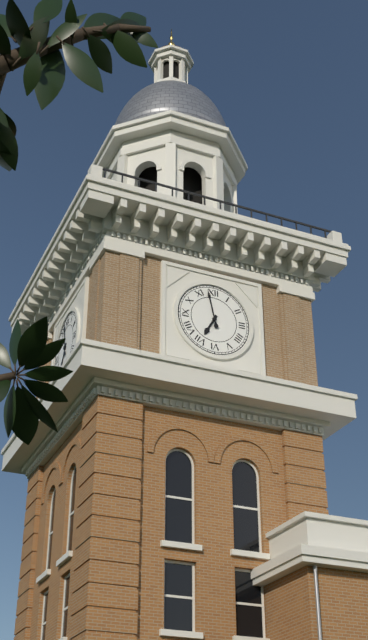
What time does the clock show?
6:58
